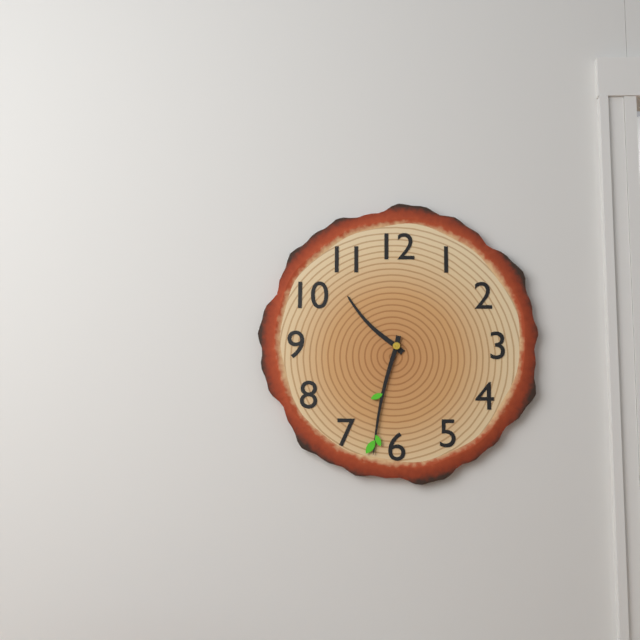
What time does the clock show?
10:32
